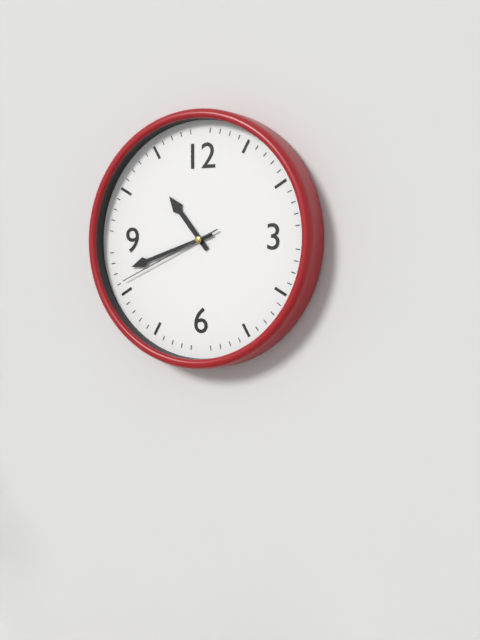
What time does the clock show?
10:42:41
